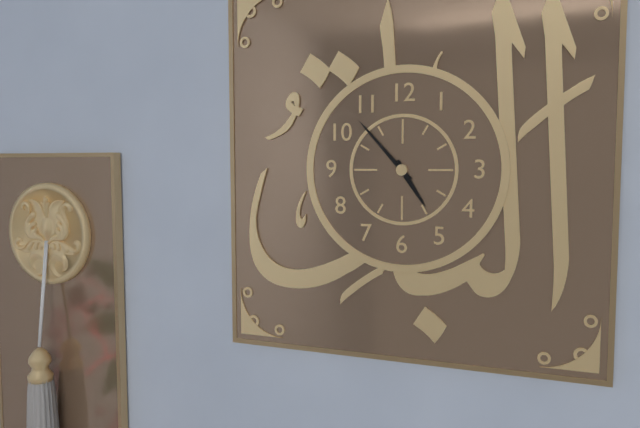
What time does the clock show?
4:53
